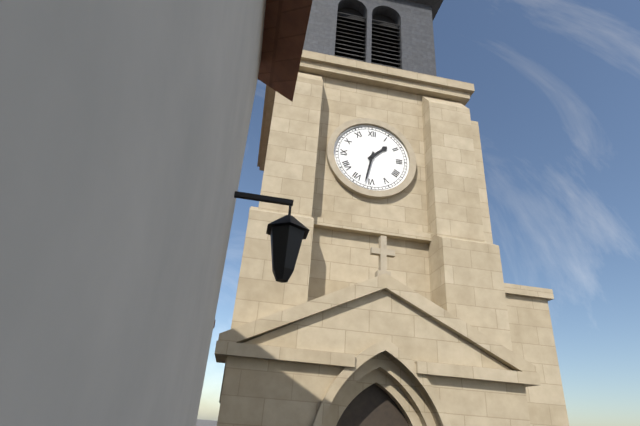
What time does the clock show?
1:32
